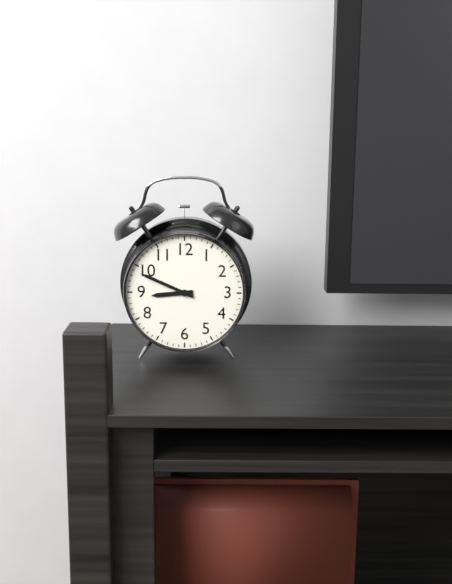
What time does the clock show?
8:49
